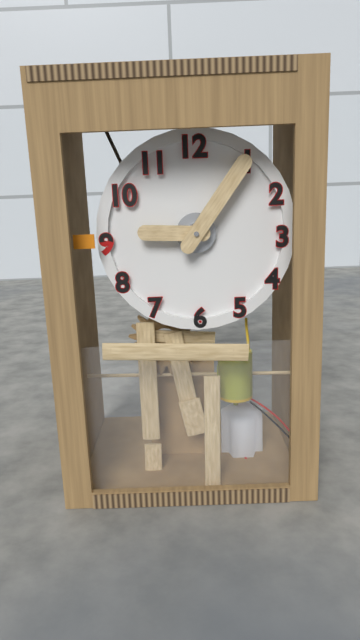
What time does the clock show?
9:06
